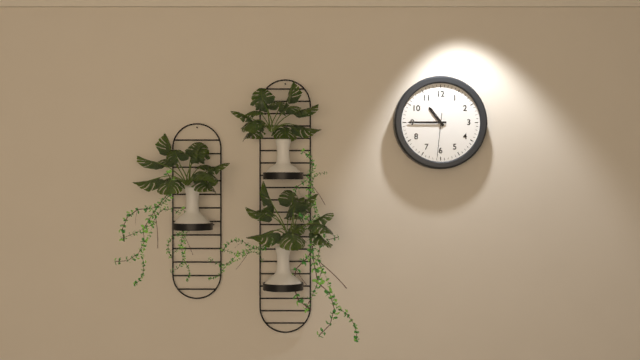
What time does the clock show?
10:45
